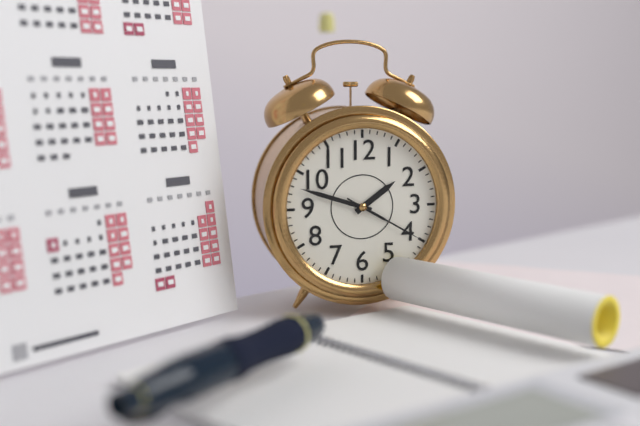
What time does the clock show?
1:48:20
